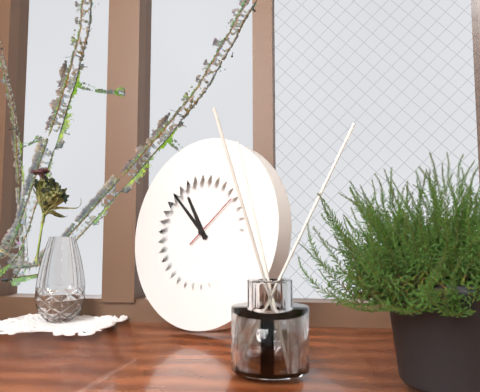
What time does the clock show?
10:52
